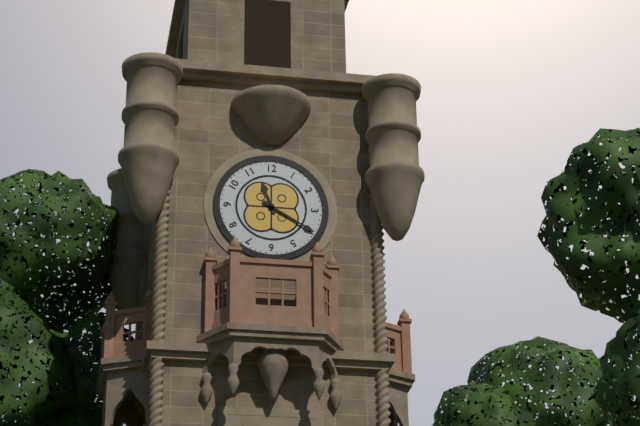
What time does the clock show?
11:20
